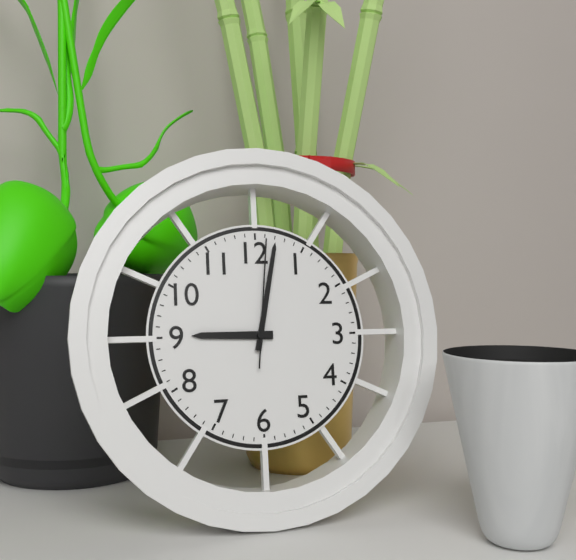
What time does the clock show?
9:02:01
